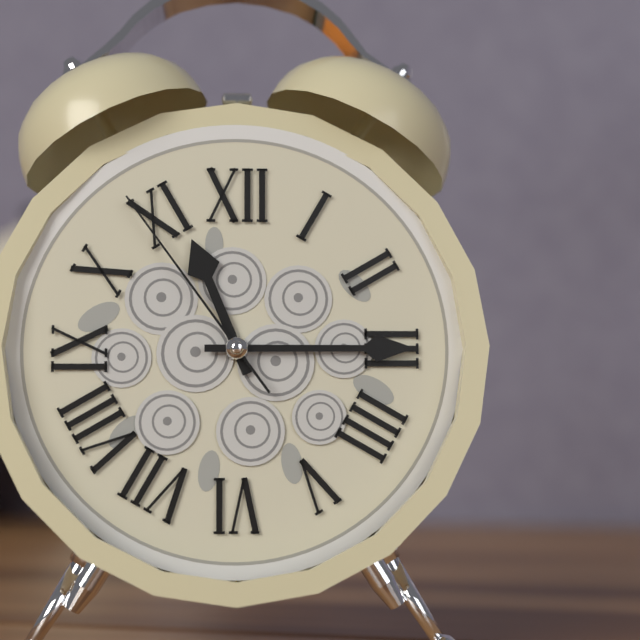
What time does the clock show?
11:15:54
